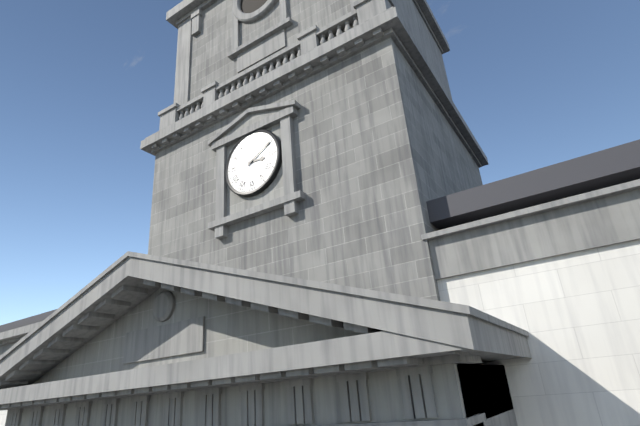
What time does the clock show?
3:10
